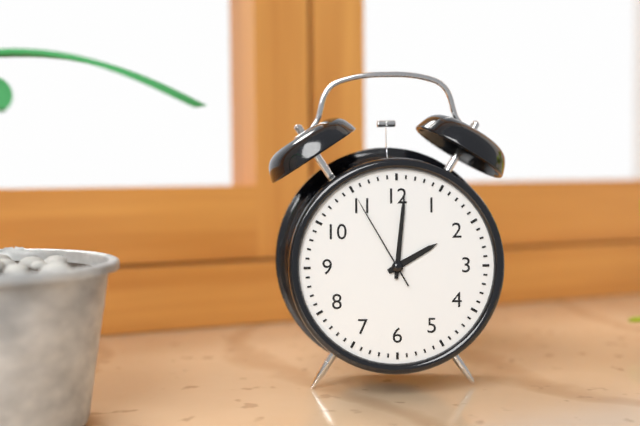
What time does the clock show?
2:01:55
